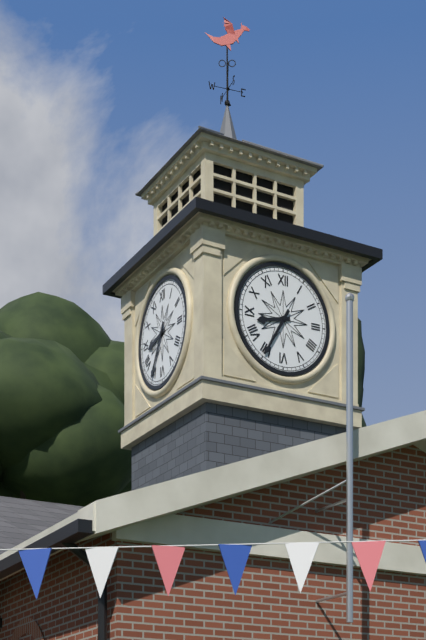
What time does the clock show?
8:35
